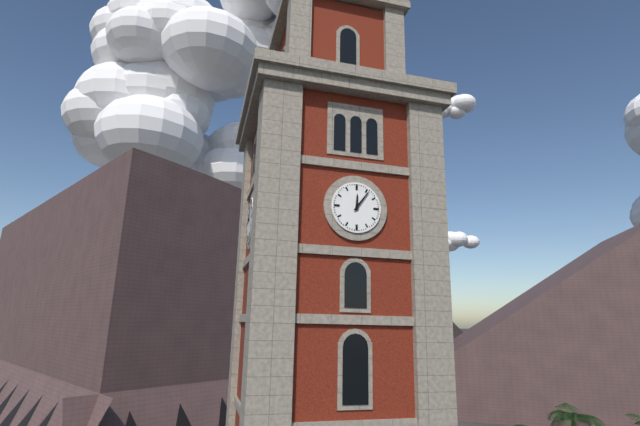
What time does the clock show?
12:06
